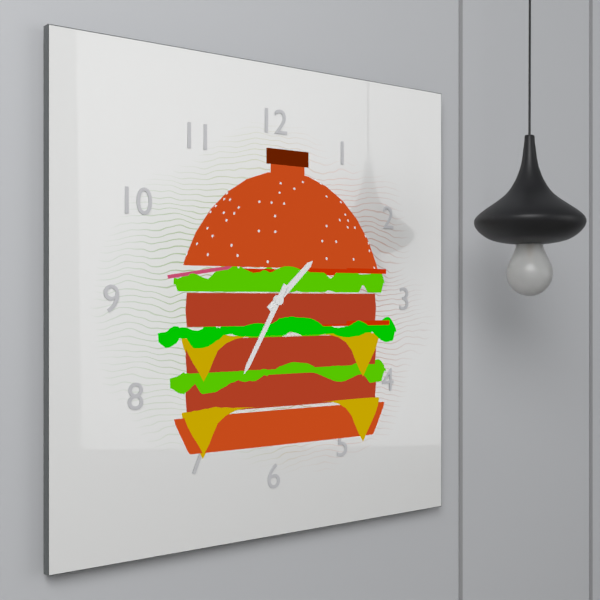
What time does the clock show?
1:35
